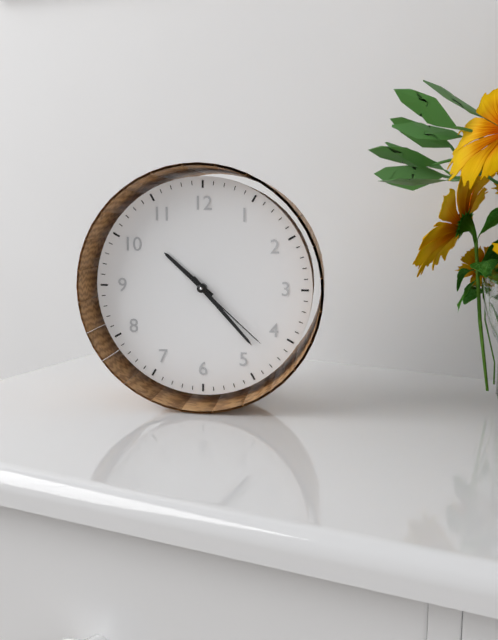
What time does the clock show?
10:23:22
